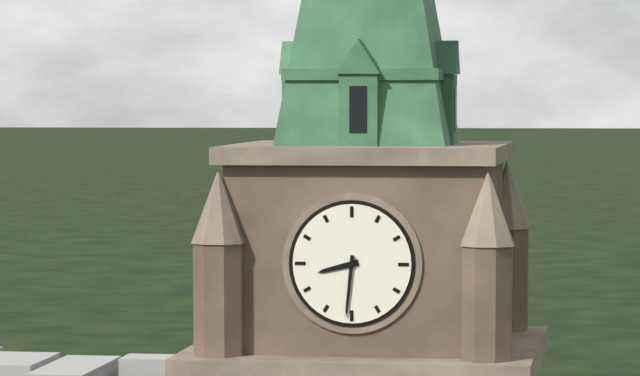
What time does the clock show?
8:31
